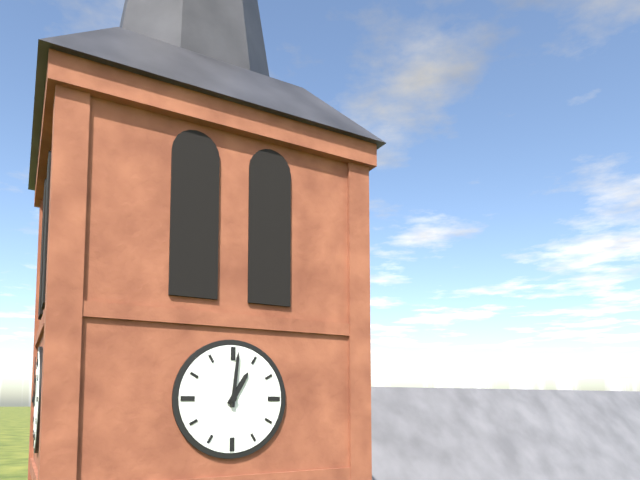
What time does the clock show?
1:01
